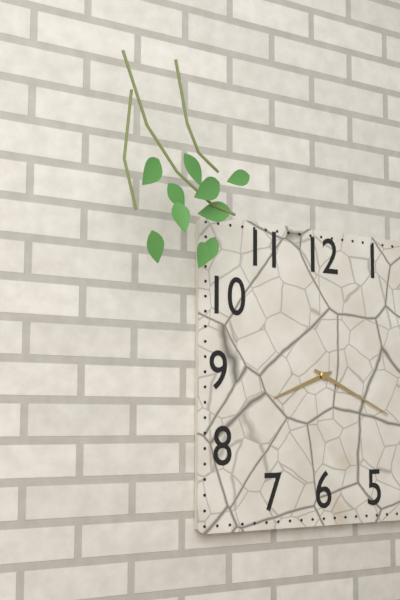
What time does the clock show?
8:19
